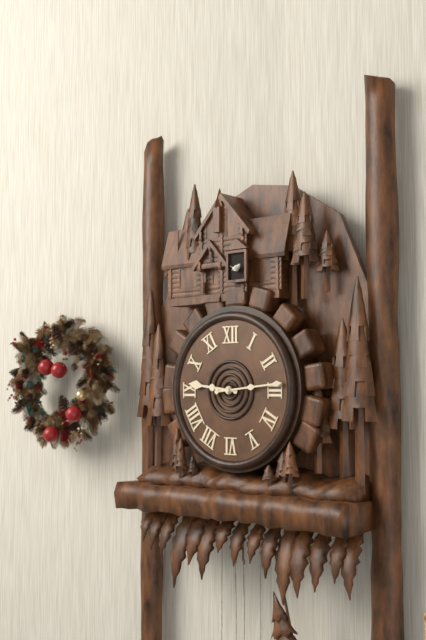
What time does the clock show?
9:14
